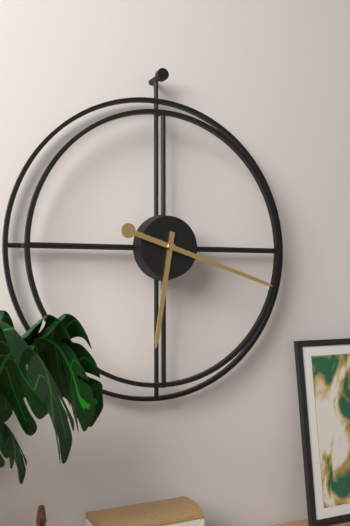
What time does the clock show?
6:18
